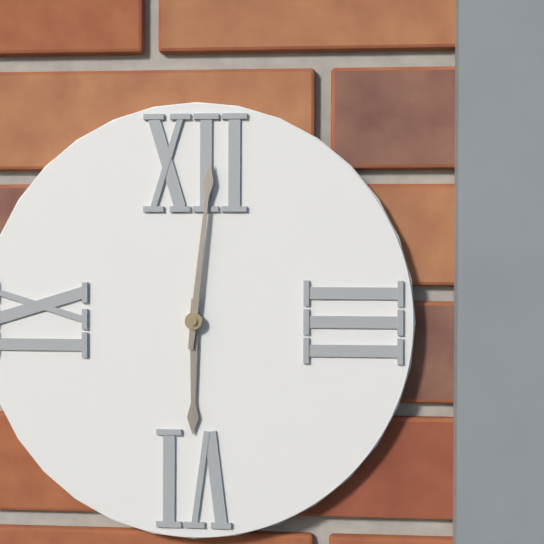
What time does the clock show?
6:01
